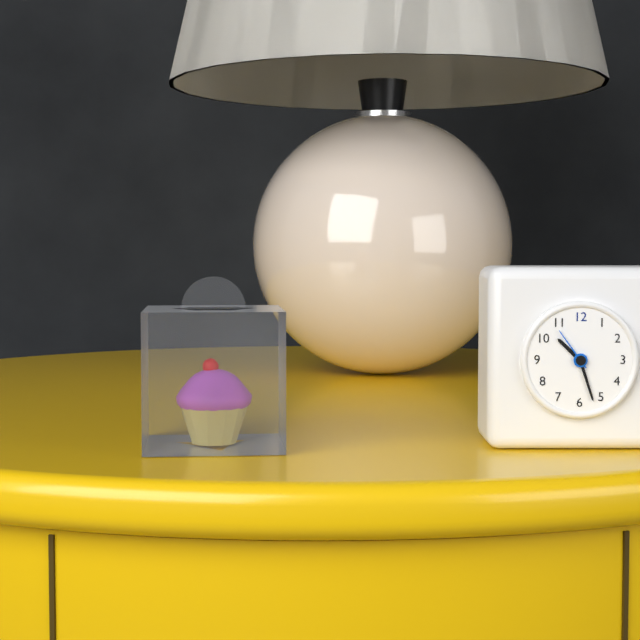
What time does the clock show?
10:27
